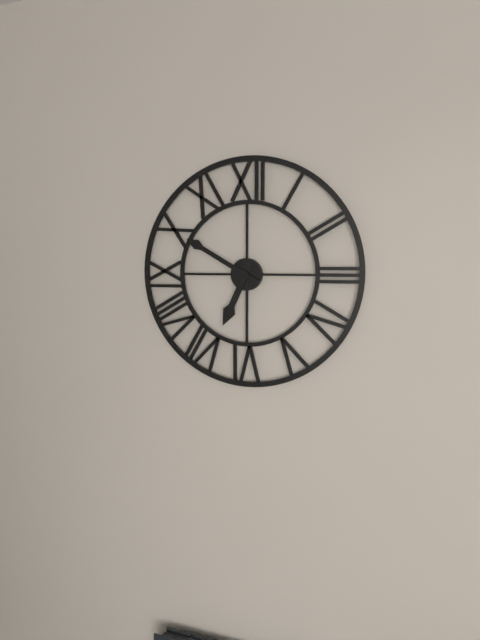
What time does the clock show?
6:50
